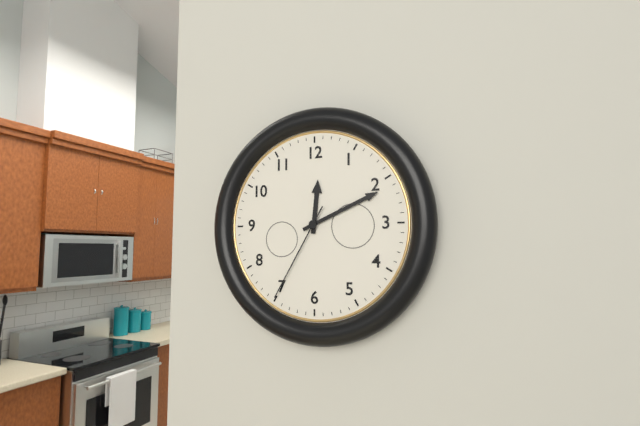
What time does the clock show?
12:11:35
